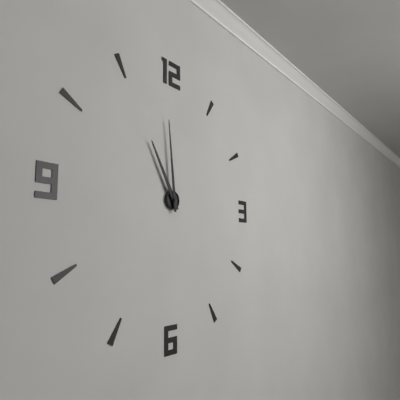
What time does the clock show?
10:59
